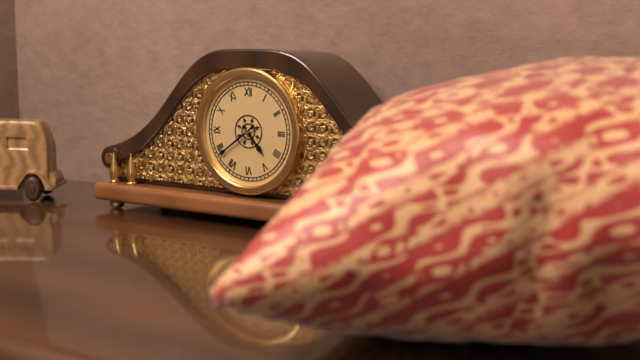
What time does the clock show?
4:39
